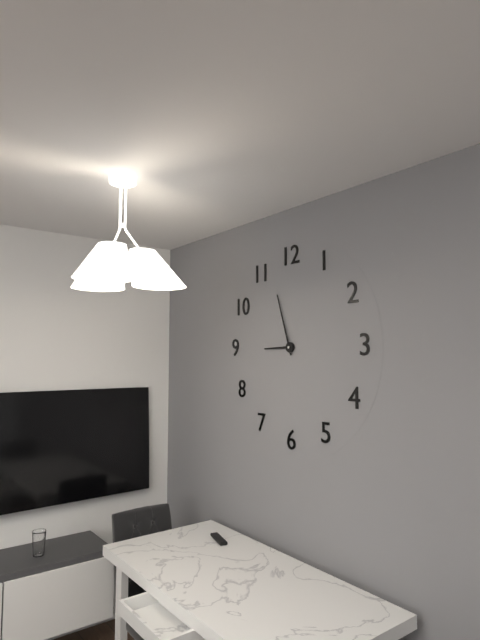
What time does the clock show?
8:57
